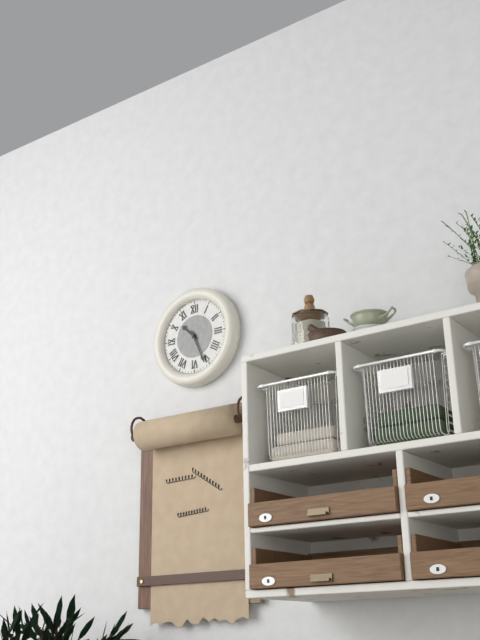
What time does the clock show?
10:26
